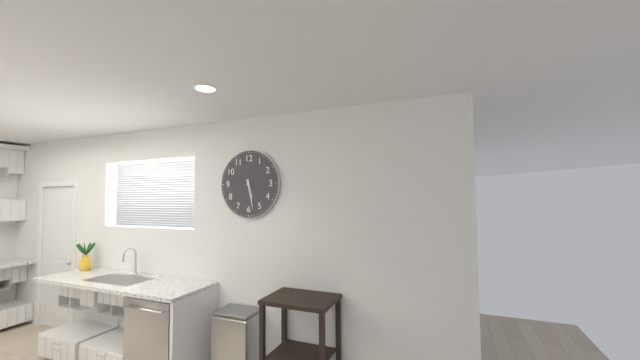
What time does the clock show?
5:28
